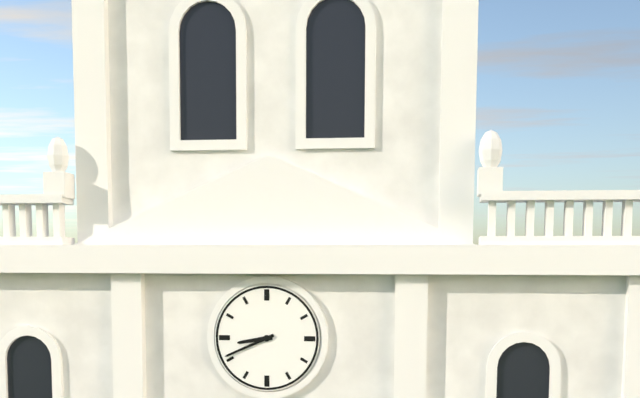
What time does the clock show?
8:41
